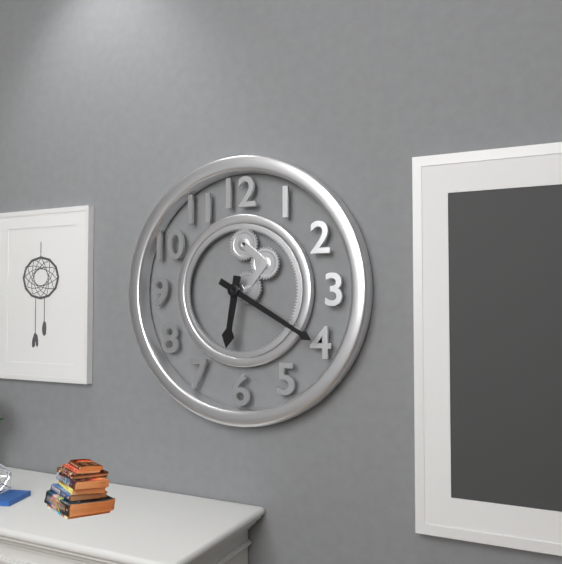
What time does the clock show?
6:20
